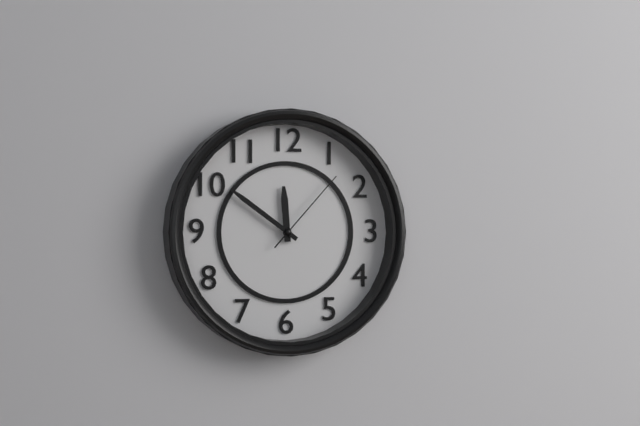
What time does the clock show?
11:51:07
